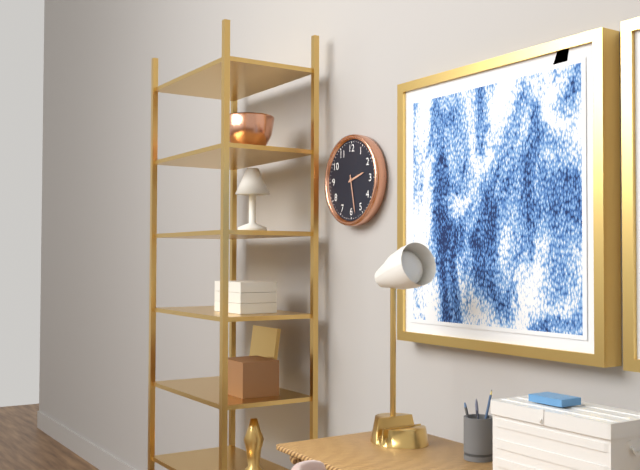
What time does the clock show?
2:28
